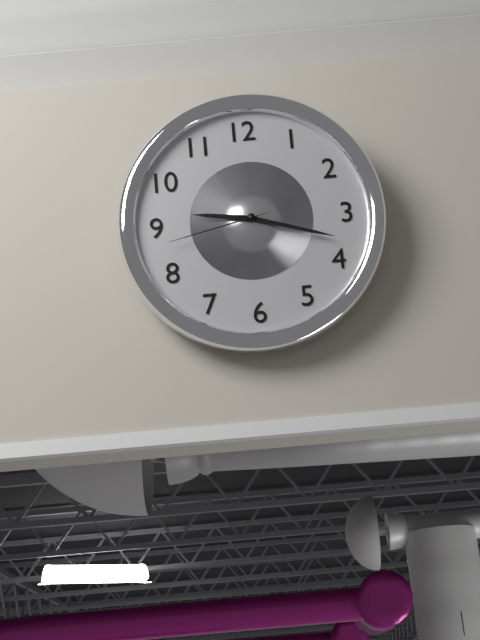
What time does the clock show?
9:18:43
